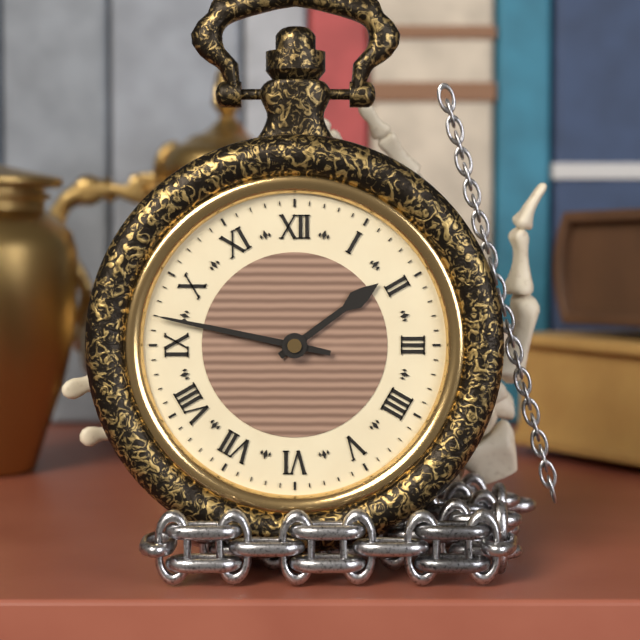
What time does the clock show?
1:47
